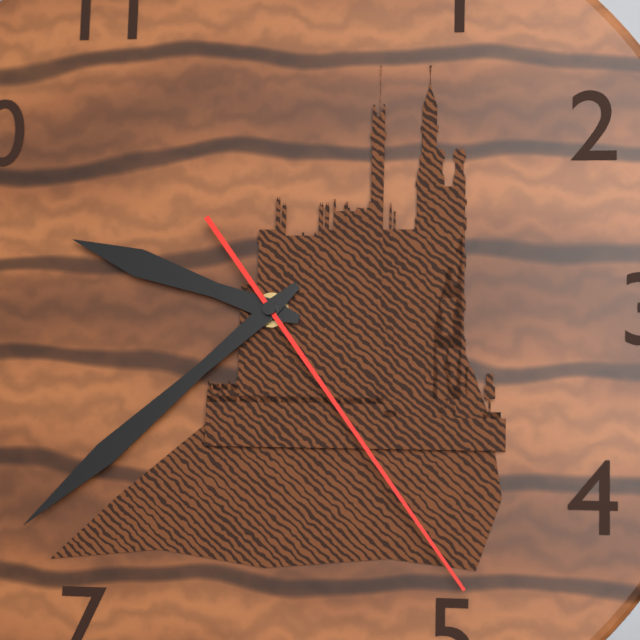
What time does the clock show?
9:38:24
